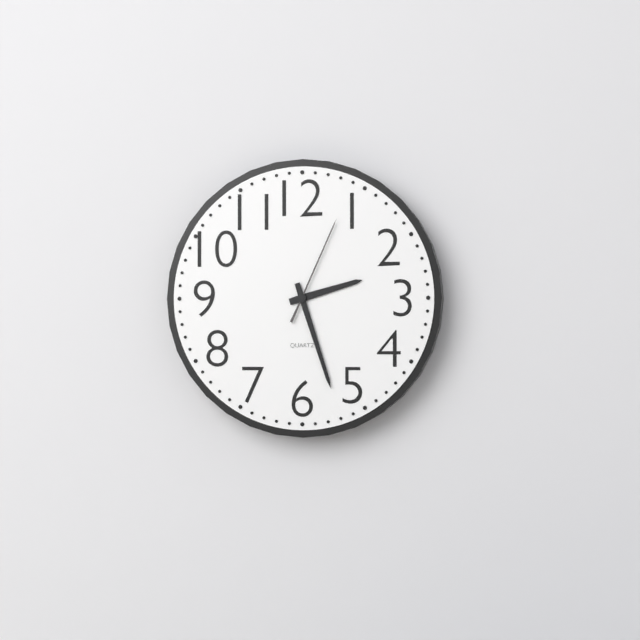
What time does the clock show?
2:27:04
